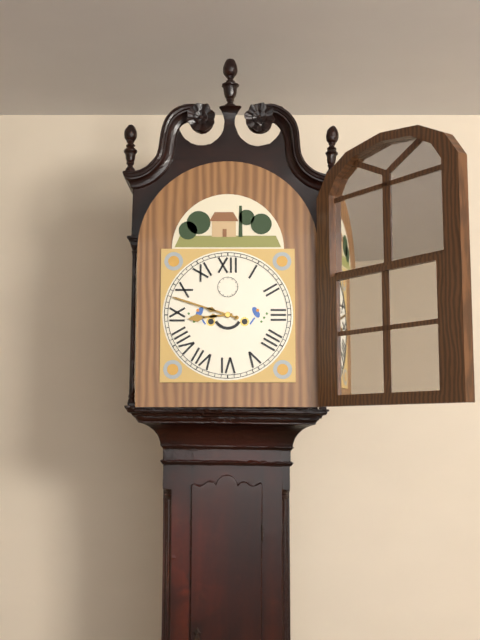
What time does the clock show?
8:48
